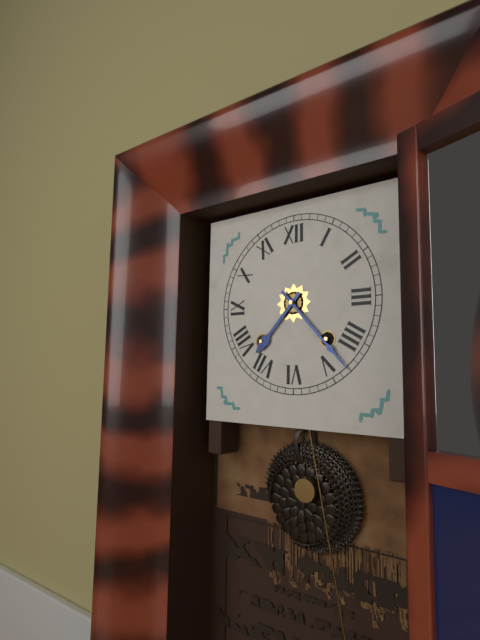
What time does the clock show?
7:23
